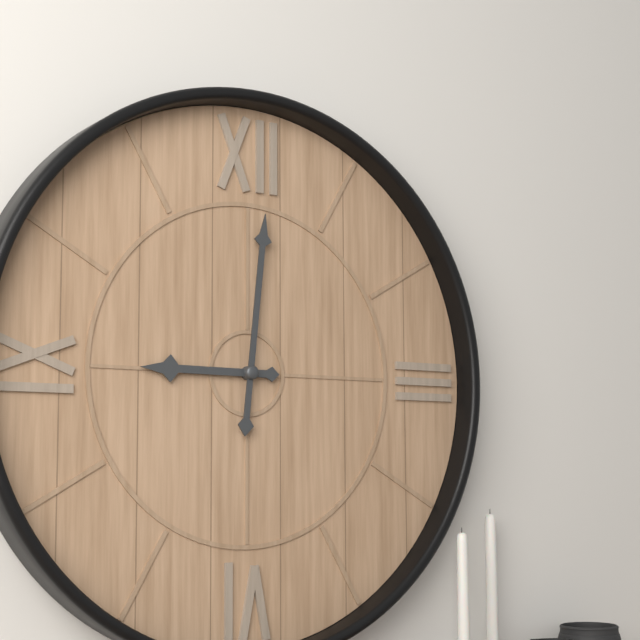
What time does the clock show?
9:01
